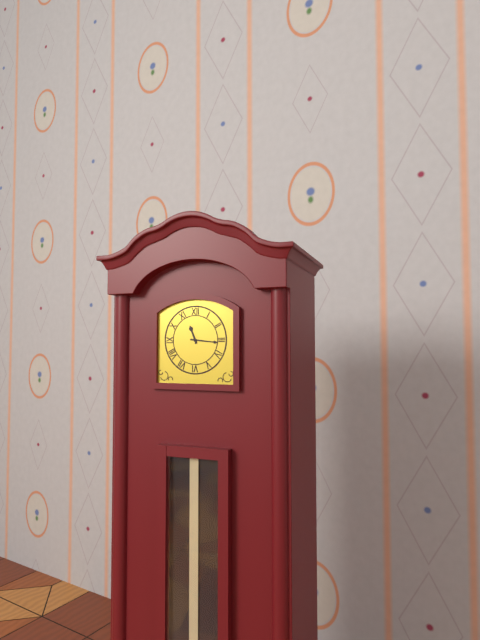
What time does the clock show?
11:16
